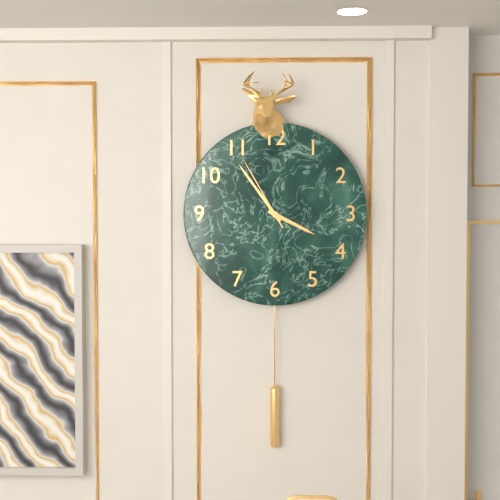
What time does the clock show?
3:54:55
